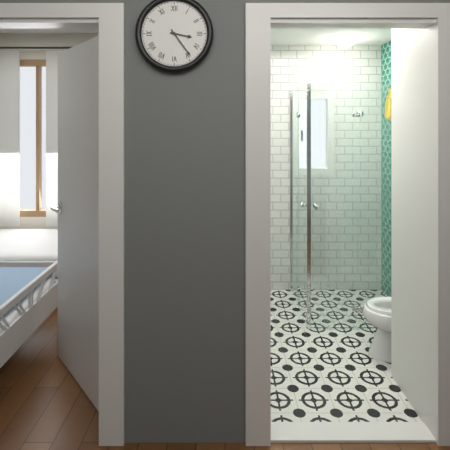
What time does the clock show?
3:24
